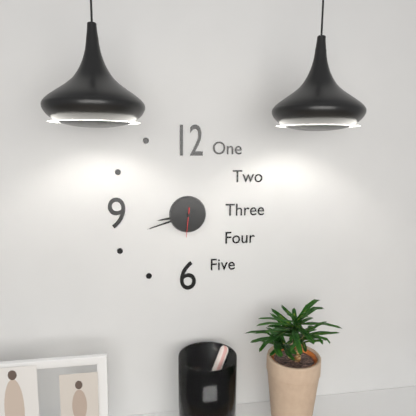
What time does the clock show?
8:42
